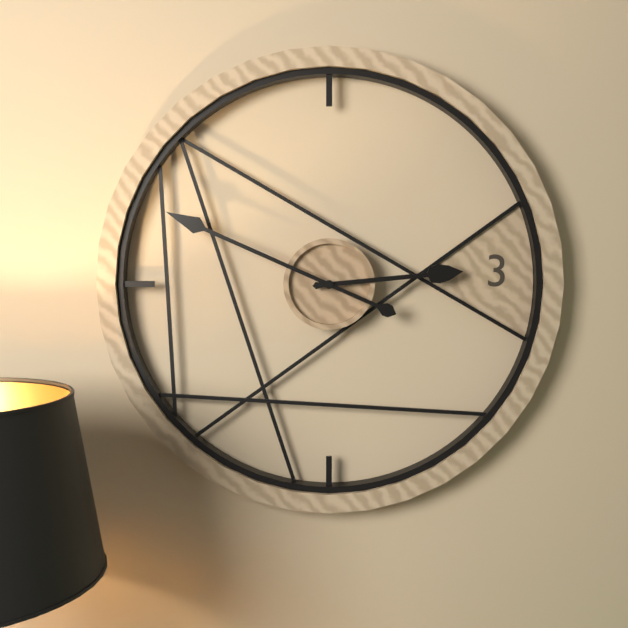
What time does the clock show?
2:49
